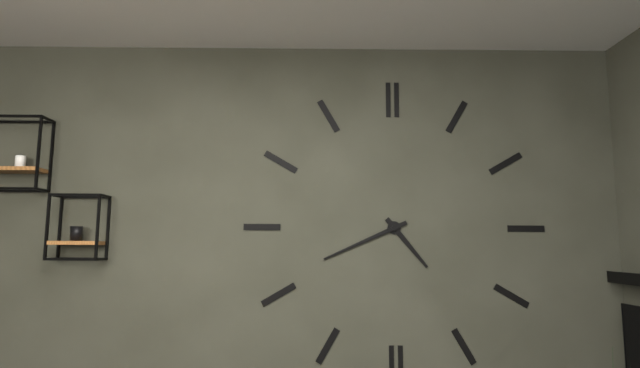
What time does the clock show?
4:41
